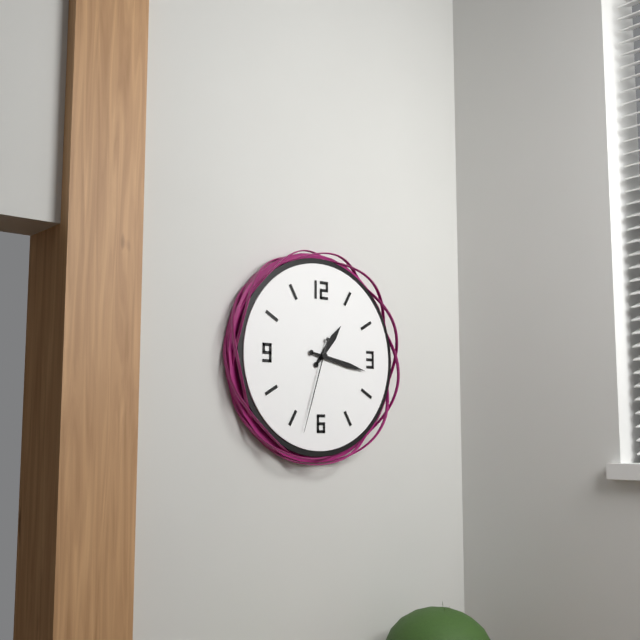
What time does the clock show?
1:17:33
